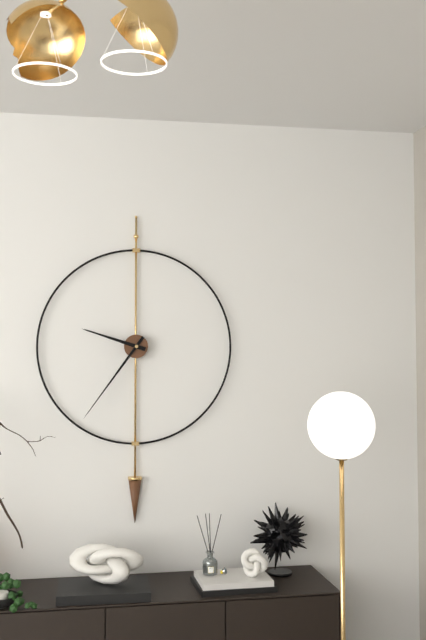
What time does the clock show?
9:36
